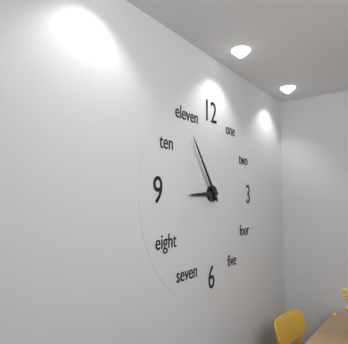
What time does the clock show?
8:54
